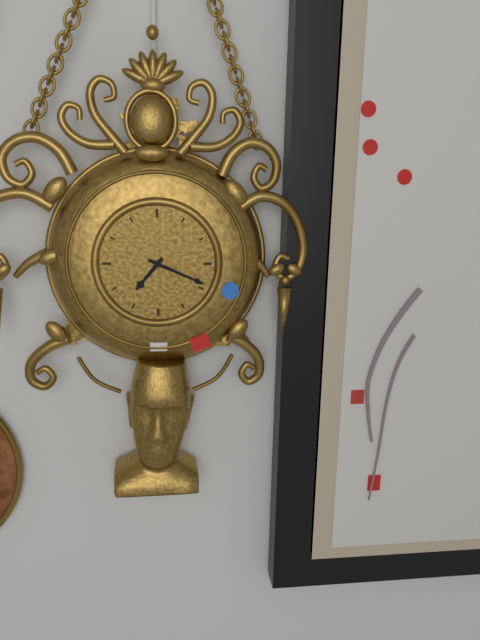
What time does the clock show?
7:19
